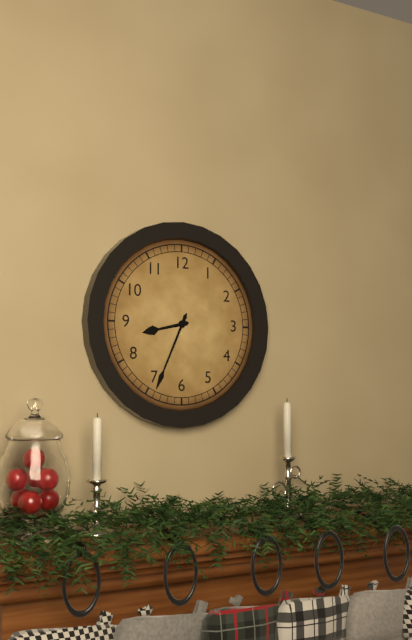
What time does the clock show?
8:34
